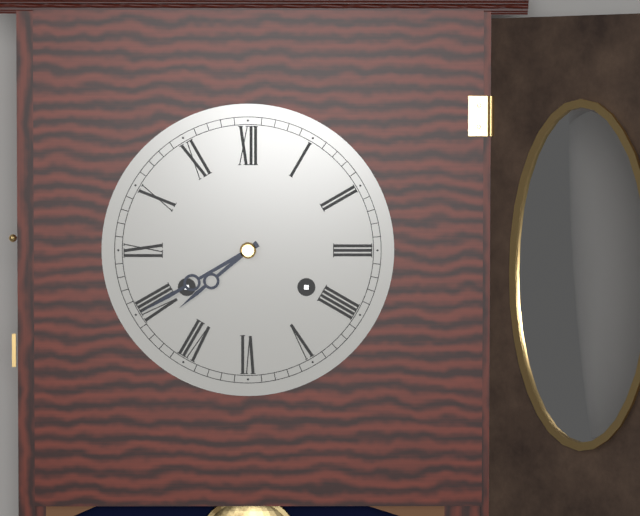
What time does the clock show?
7:40
